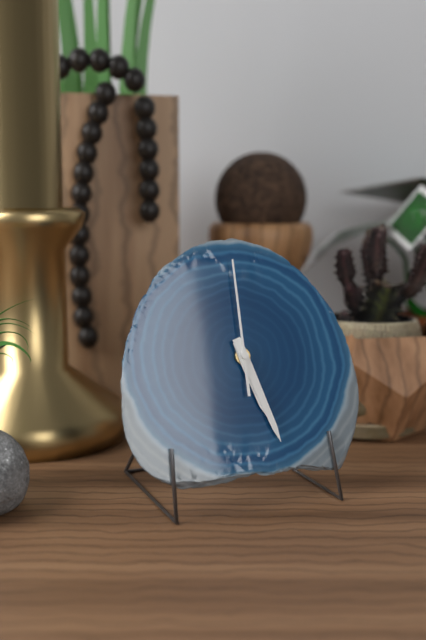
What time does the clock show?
5:27:00
